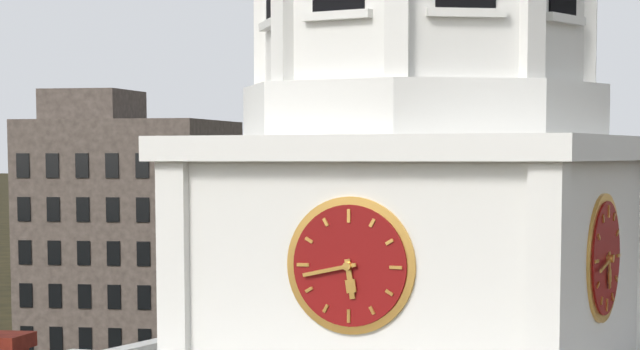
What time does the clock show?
5:43
